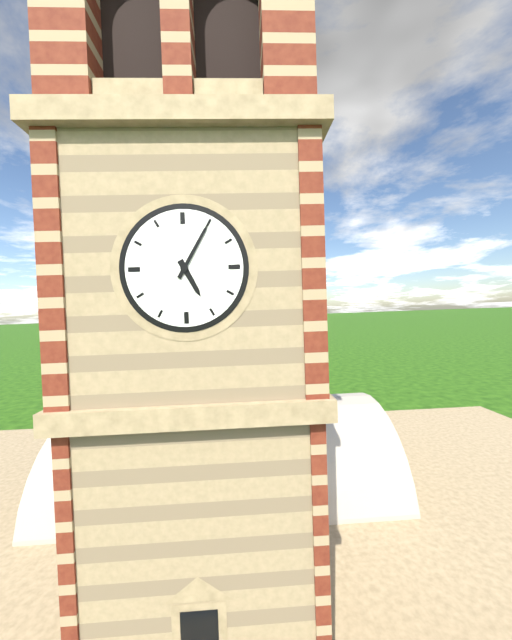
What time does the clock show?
5:05
